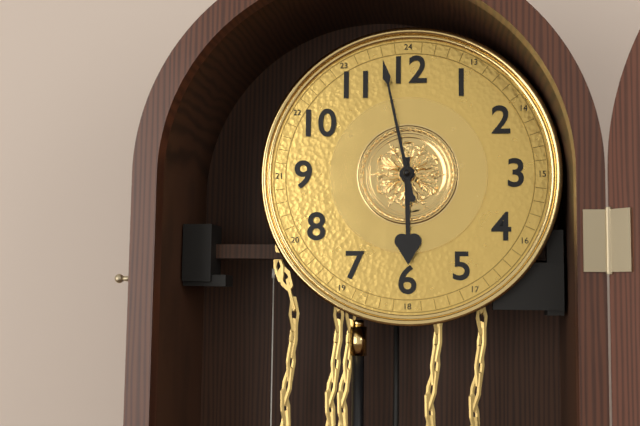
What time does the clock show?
5:58
